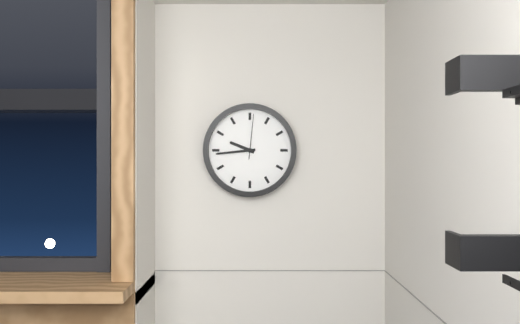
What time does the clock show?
9:44
